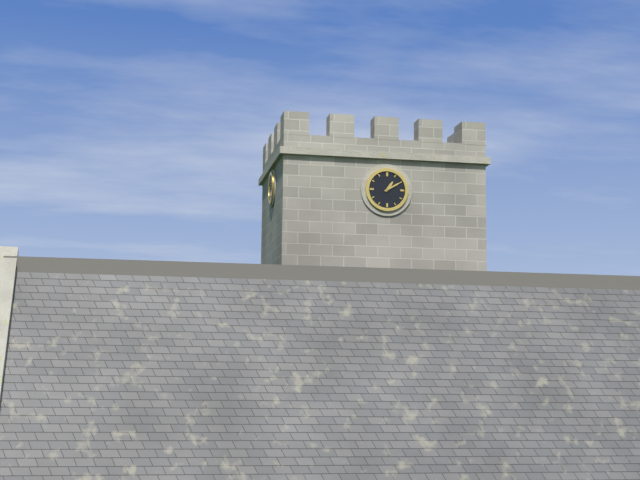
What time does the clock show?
1:10
